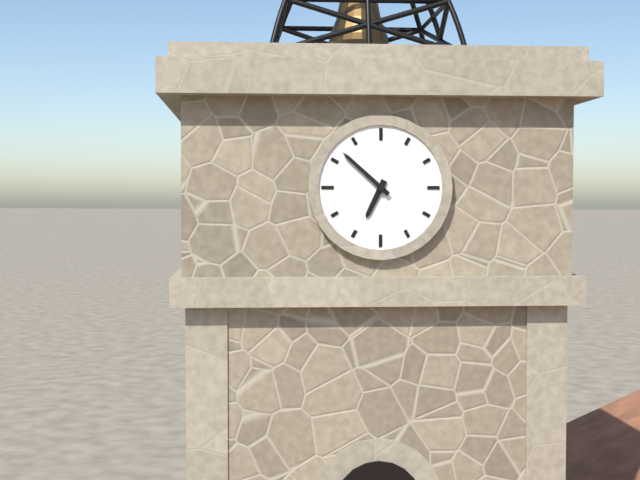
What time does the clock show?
6:52
